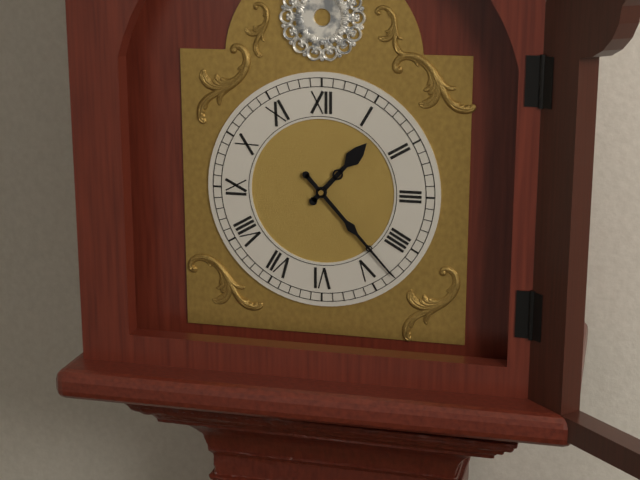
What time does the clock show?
1:23
